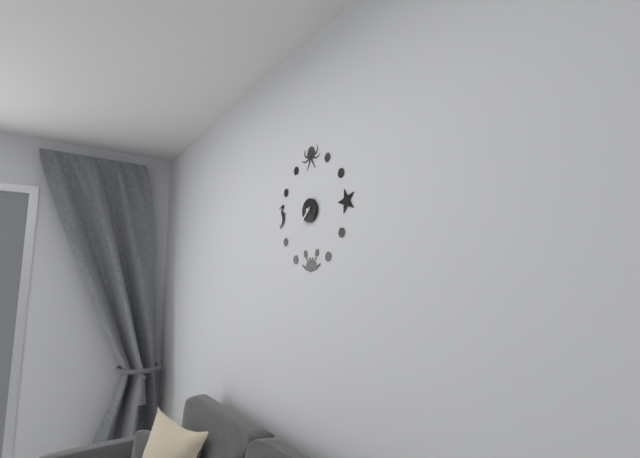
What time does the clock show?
7:38
